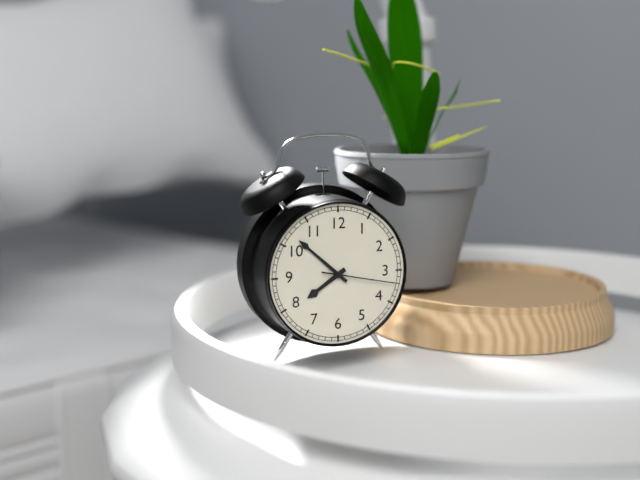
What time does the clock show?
7:52:17
